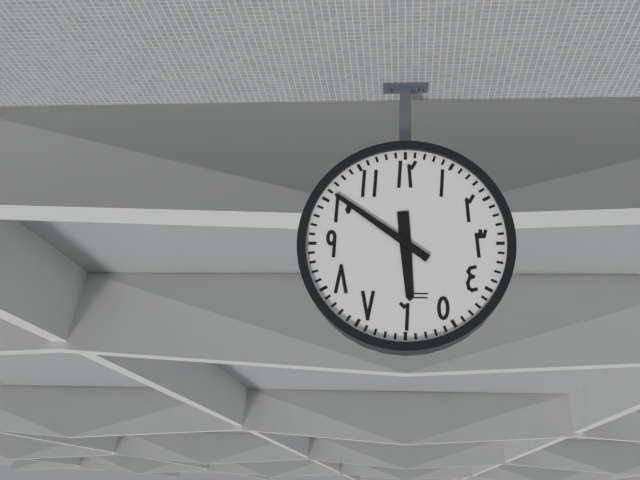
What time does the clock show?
5:51
